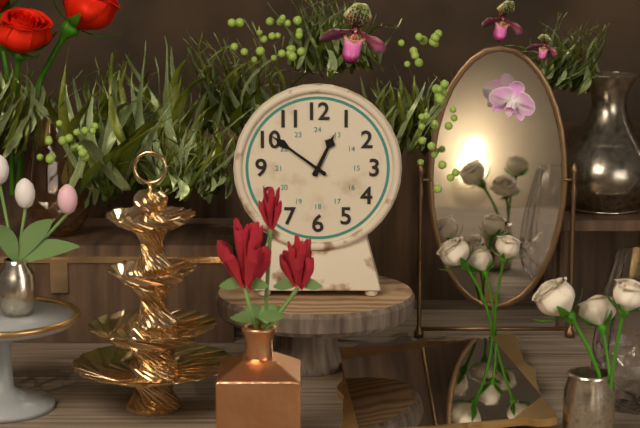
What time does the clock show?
12:51
